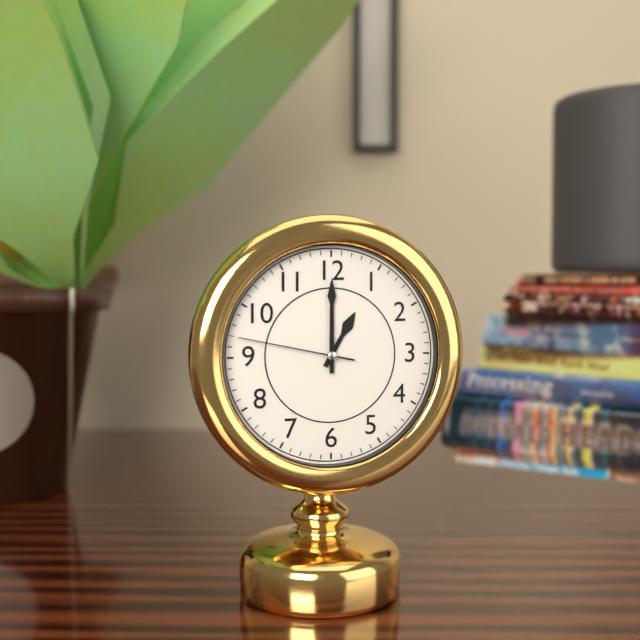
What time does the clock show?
1:00:47
